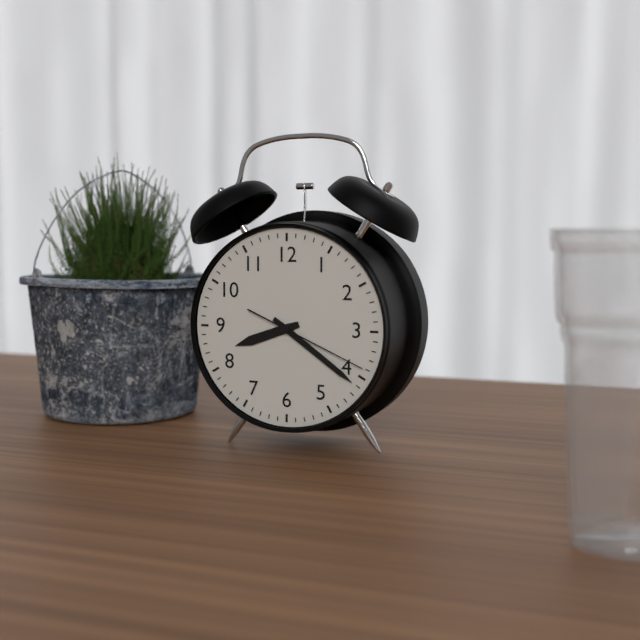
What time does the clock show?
8:21:19
